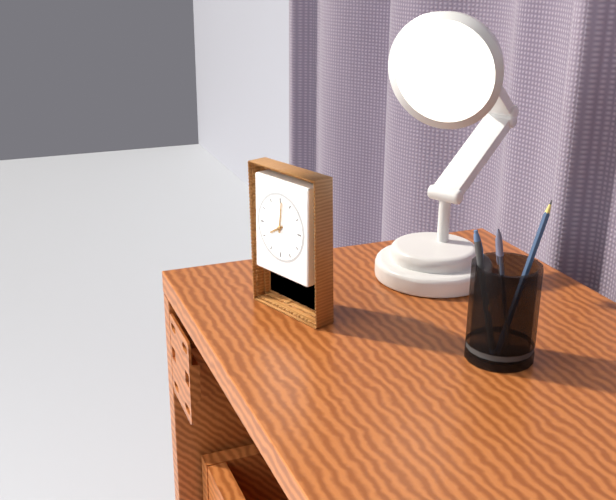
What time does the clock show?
8:01
